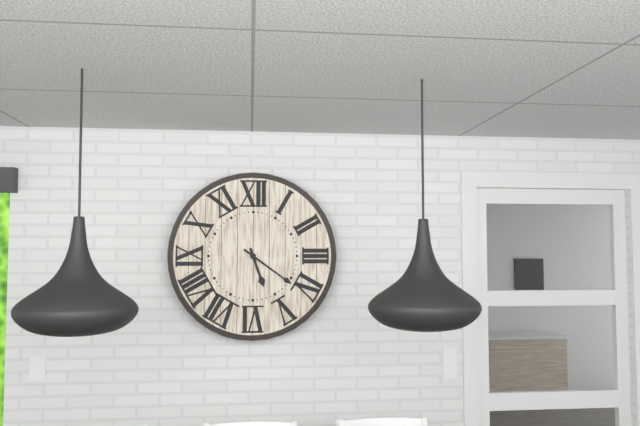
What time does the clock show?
5:21
